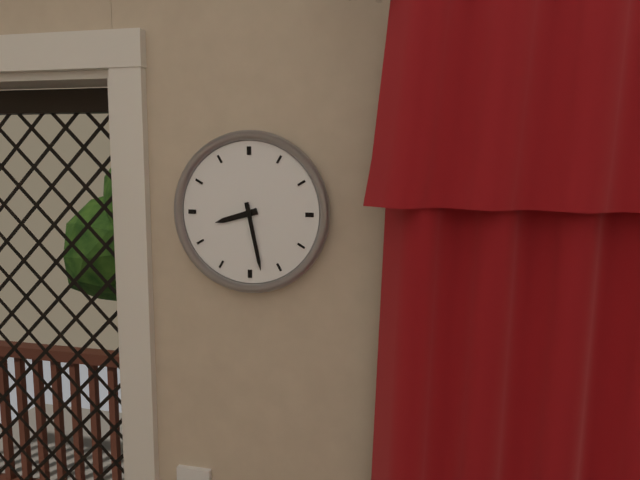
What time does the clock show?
8:28
